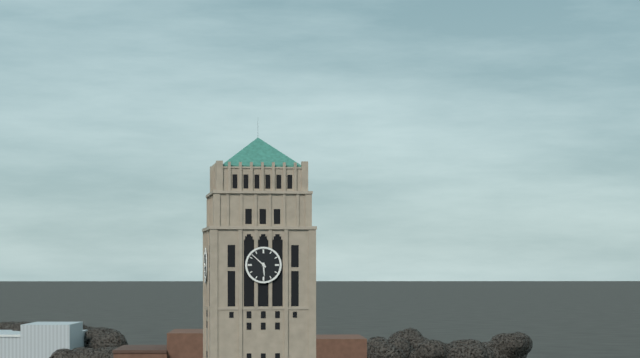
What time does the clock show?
5:52
